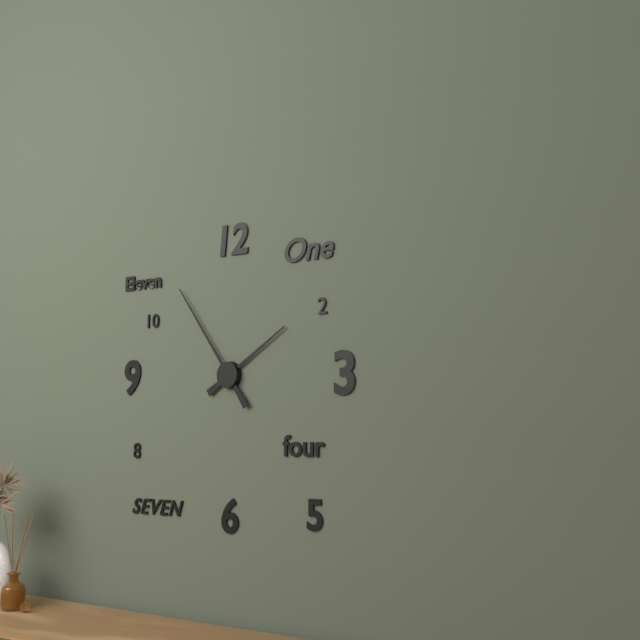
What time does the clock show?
1:54
